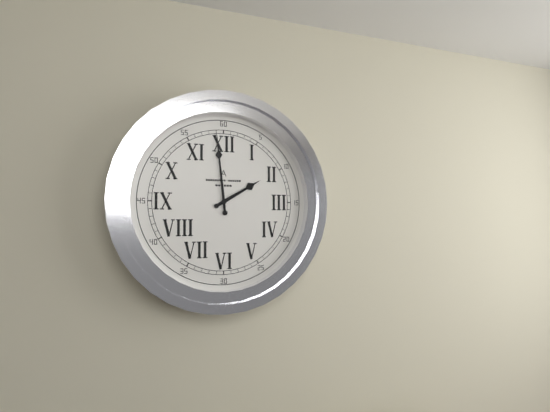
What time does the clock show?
1:59
